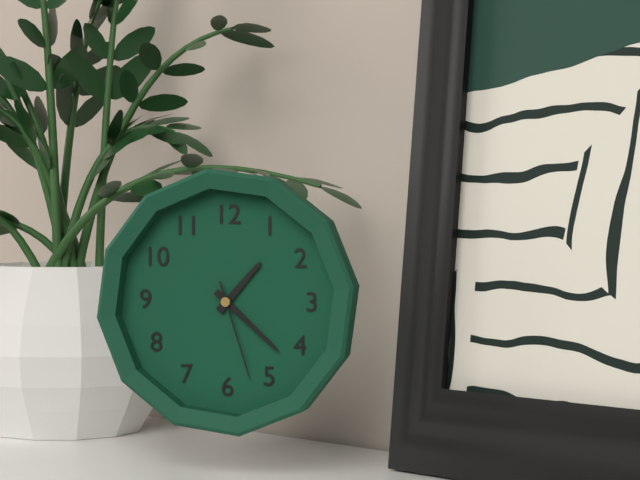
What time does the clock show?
1:22:27
